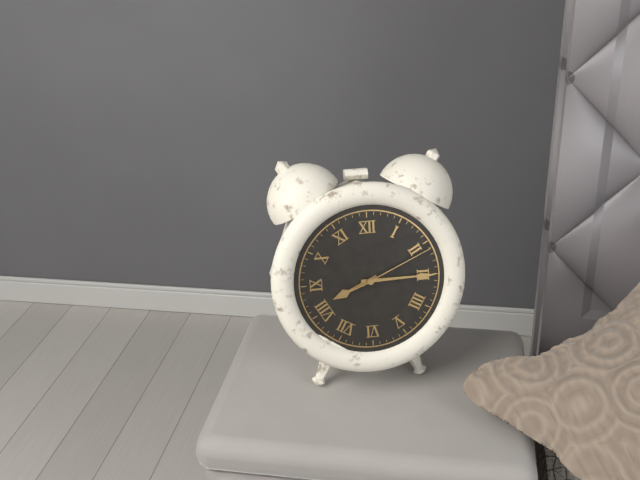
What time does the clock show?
8:15:11
